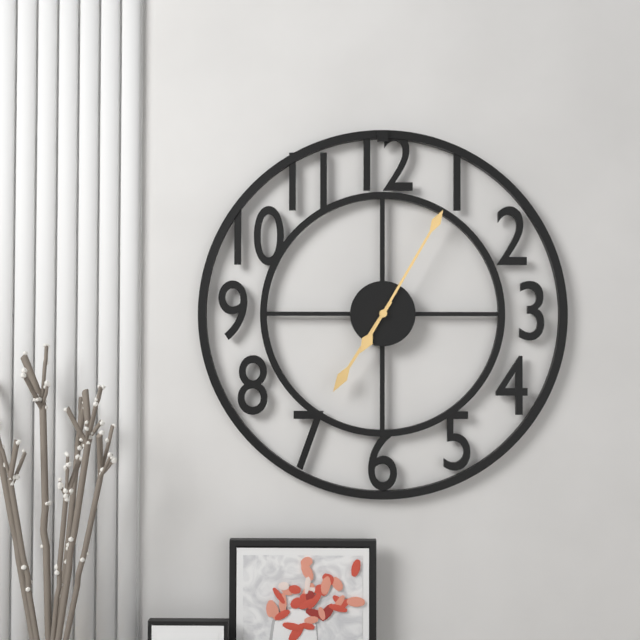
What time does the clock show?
7:05
